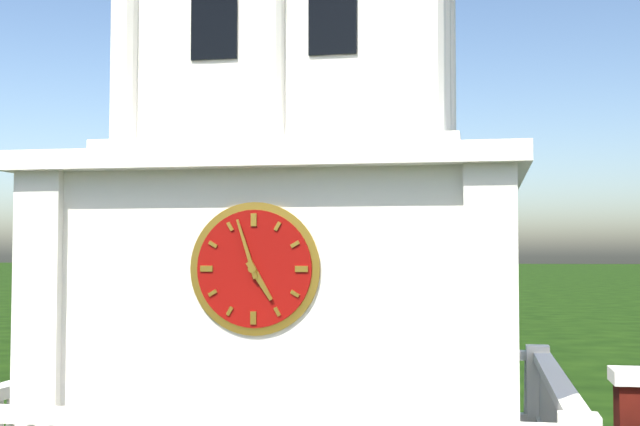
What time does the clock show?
4:57
